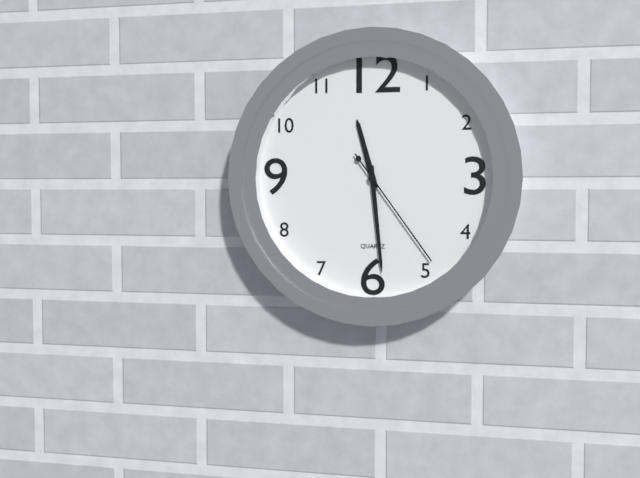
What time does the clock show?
11:29:24
